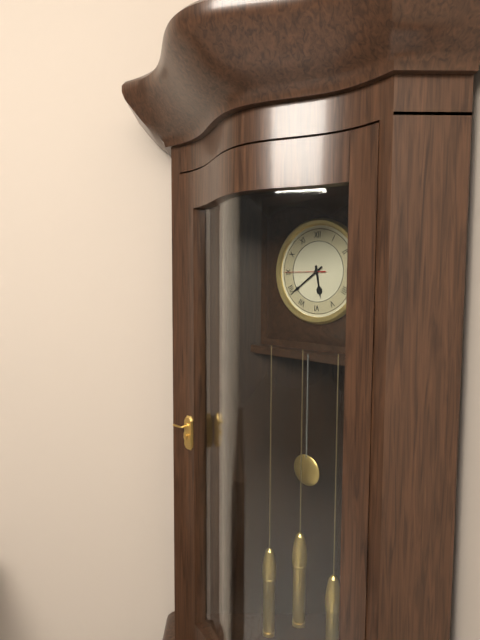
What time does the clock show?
5:39
